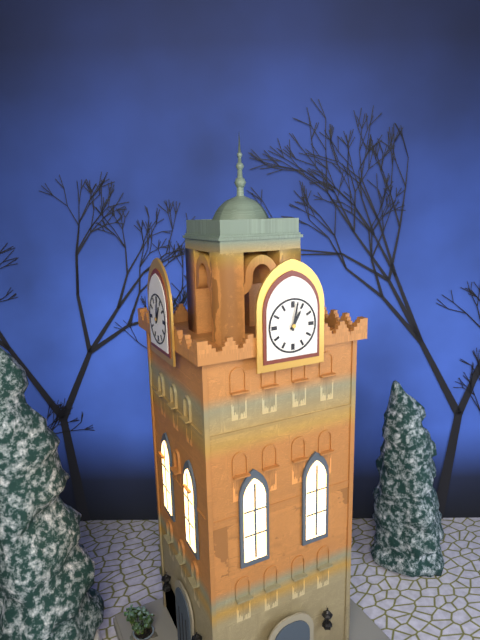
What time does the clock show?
1:02
